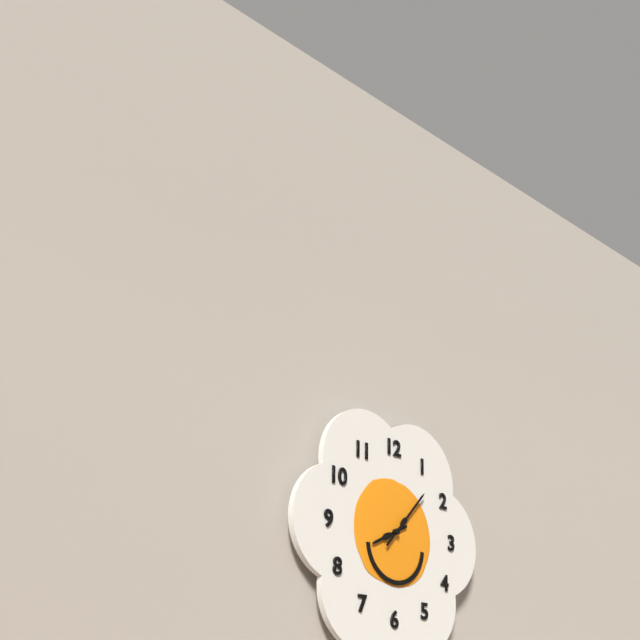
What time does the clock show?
8:07
